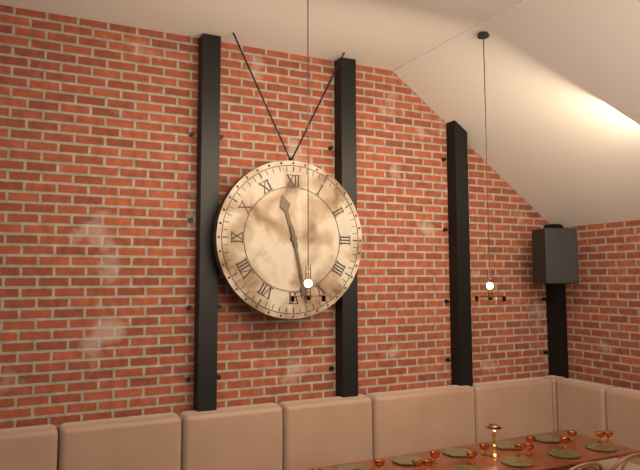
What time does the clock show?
11:28
